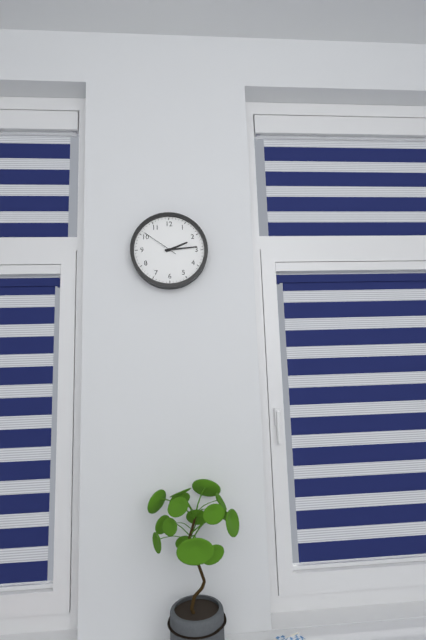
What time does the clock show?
2:14
